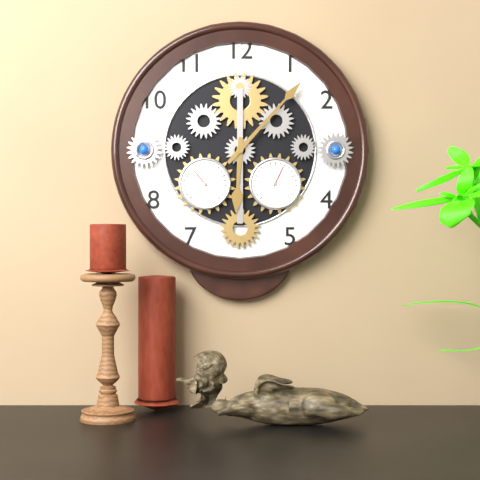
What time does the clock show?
6:07
